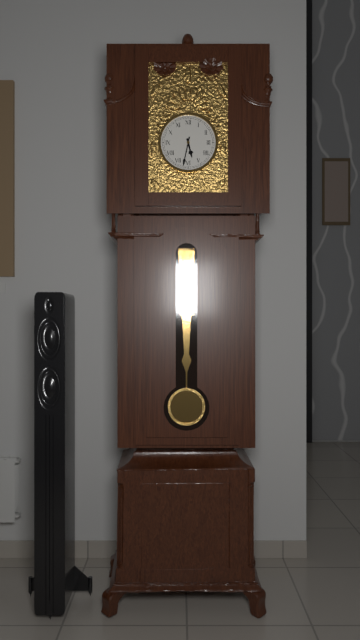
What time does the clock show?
5:32
